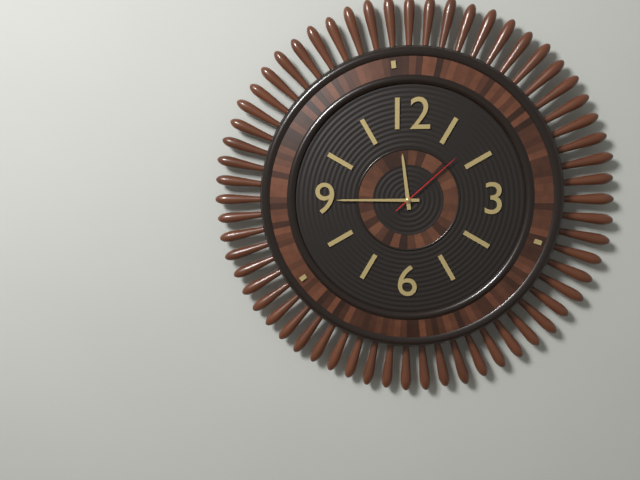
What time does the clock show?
11:45:08
